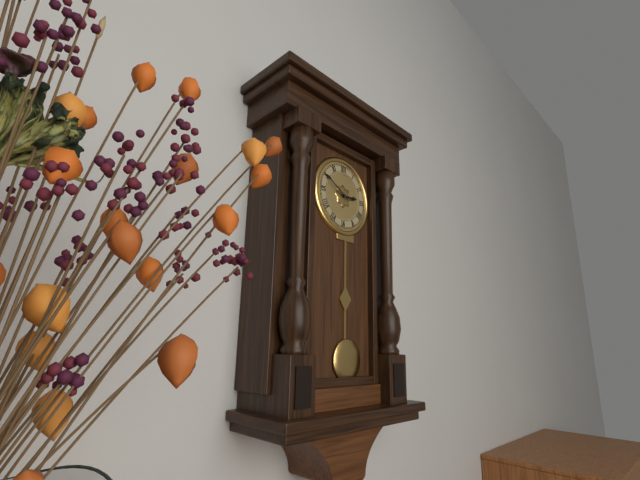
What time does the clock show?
2:50
